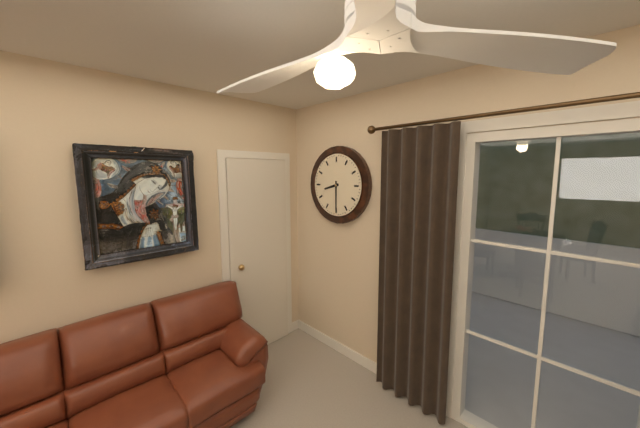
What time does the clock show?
8:30
